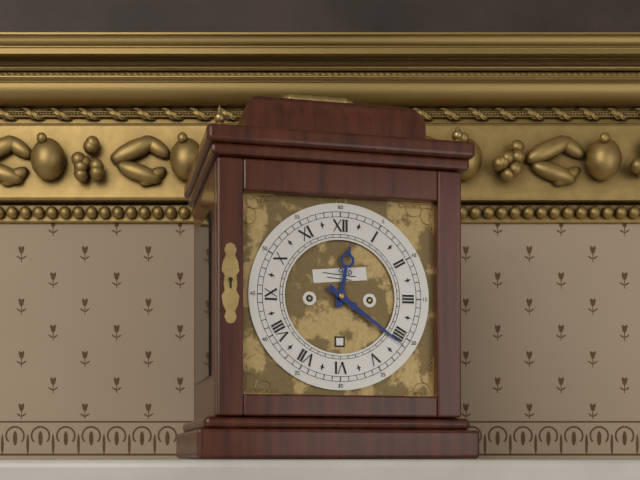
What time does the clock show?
12:21
